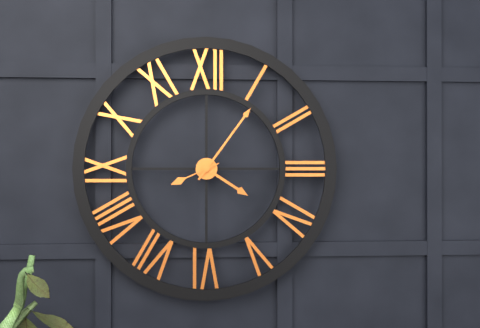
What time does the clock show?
4:06
